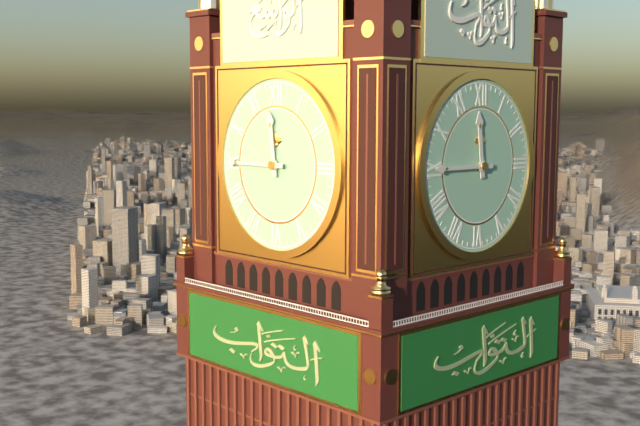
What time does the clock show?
11:45
